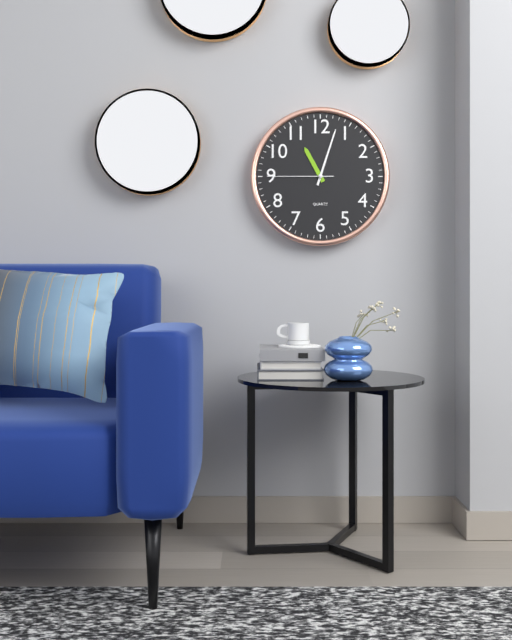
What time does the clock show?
11:03:45
